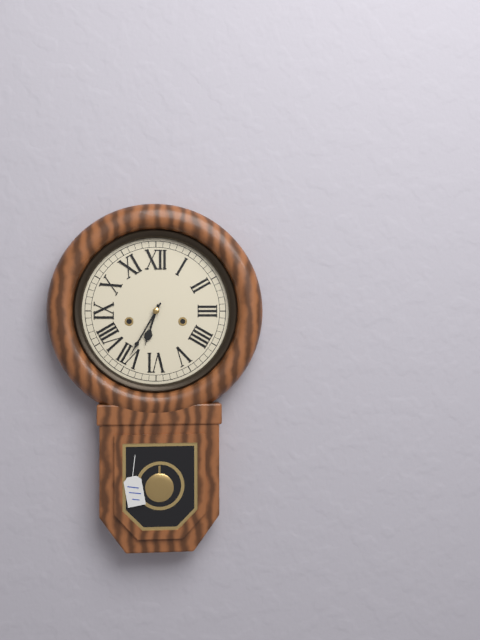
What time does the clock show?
6:35
